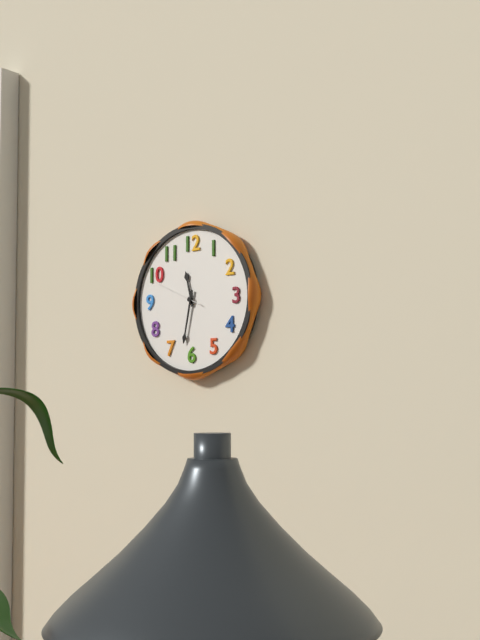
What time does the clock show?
11:32
